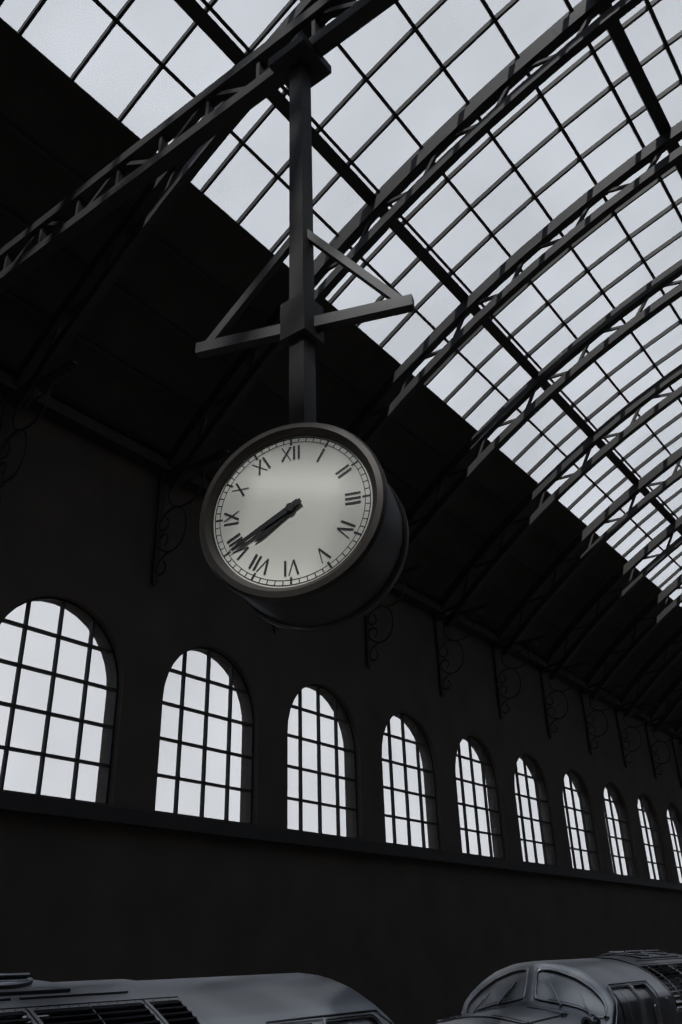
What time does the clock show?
7:40
